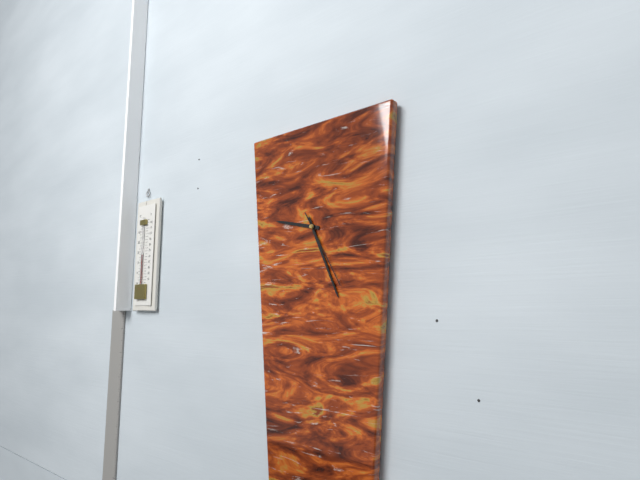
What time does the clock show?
9:26:25
